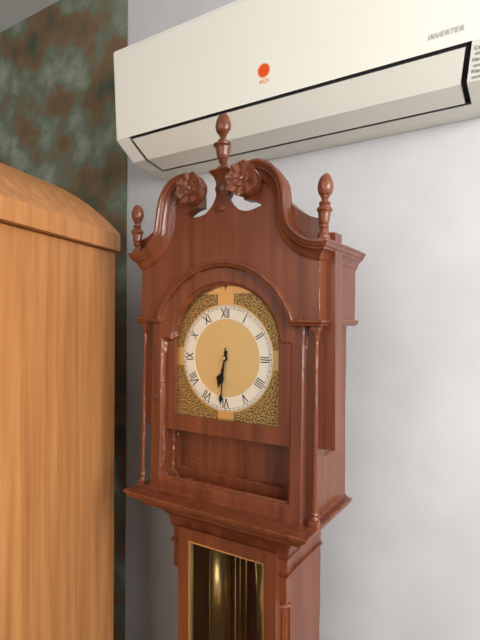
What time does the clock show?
6:31
